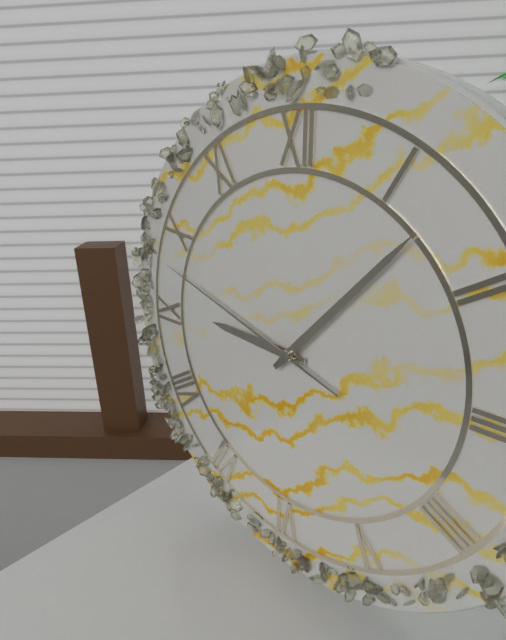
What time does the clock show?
9:07:48
